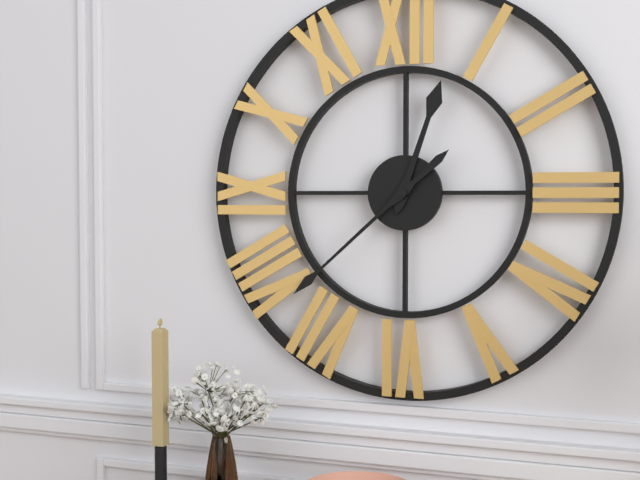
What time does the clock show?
12:38
